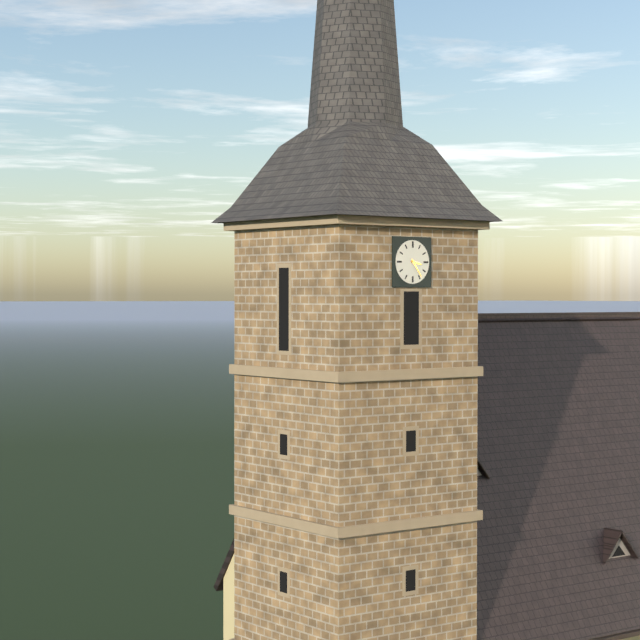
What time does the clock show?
3:24
